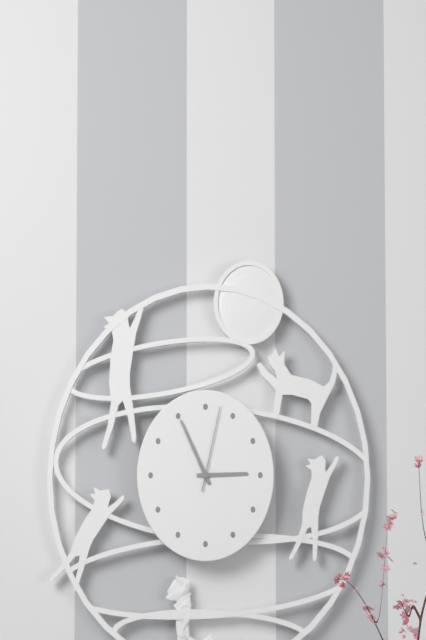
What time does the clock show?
2:56:02
